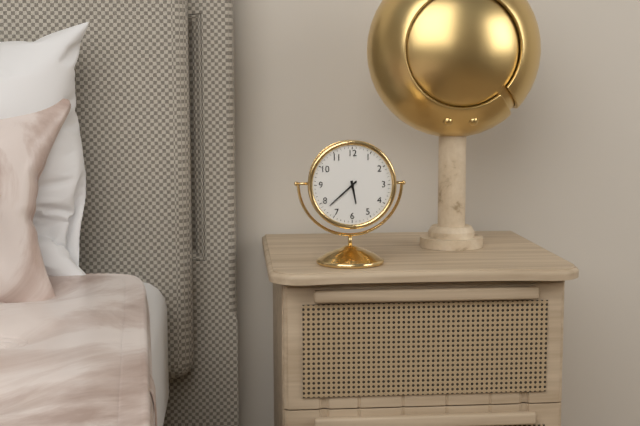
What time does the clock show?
5:38
